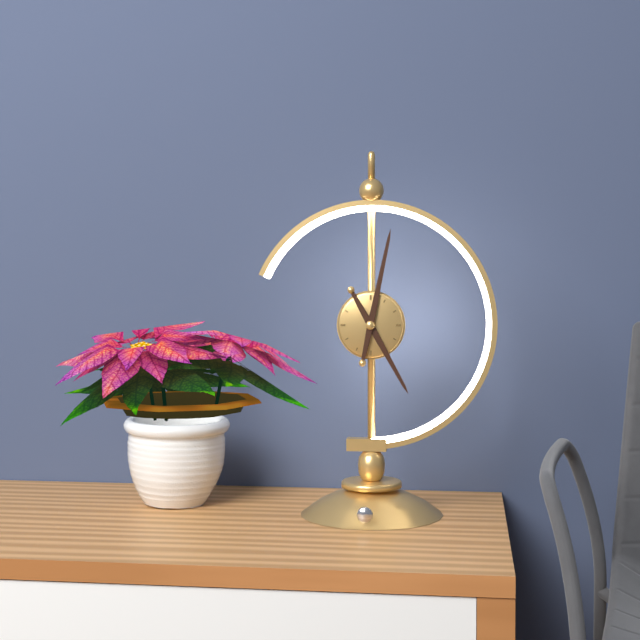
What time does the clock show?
5:02
